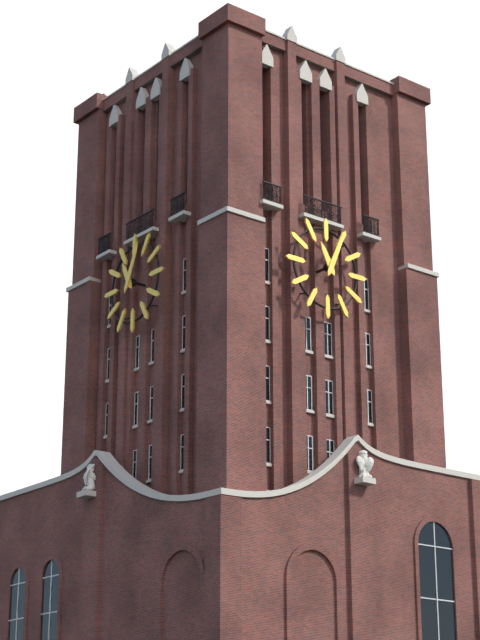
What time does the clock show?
11:04
